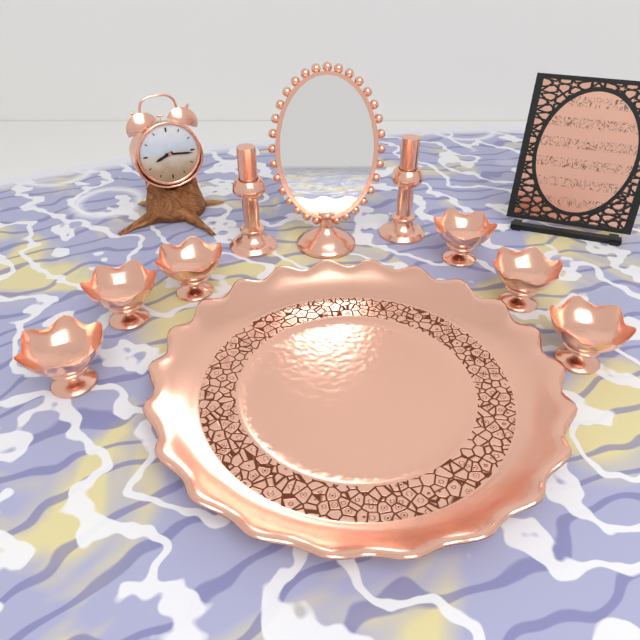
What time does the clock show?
8:16
